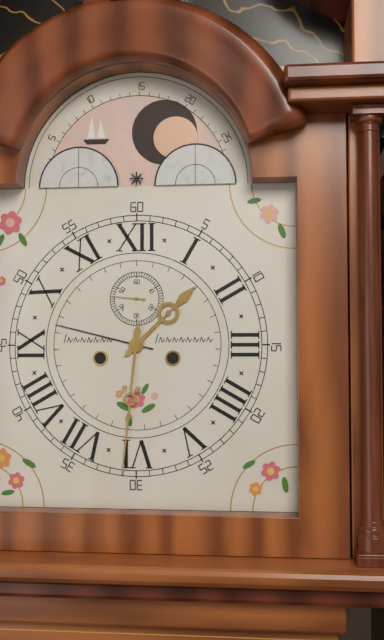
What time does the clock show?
1:31
